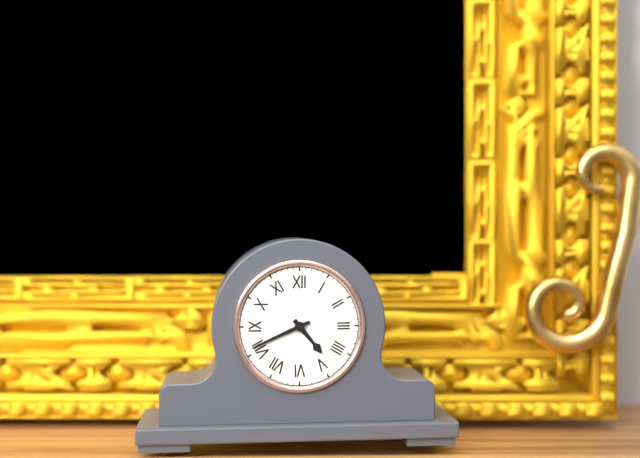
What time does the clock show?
4:41
